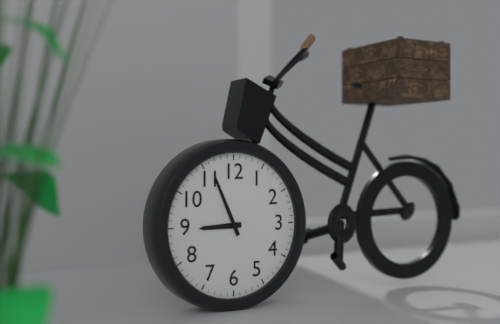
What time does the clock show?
8:56
